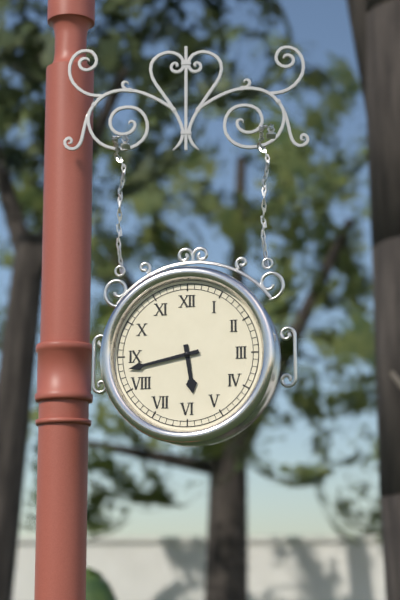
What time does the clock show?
5:43
